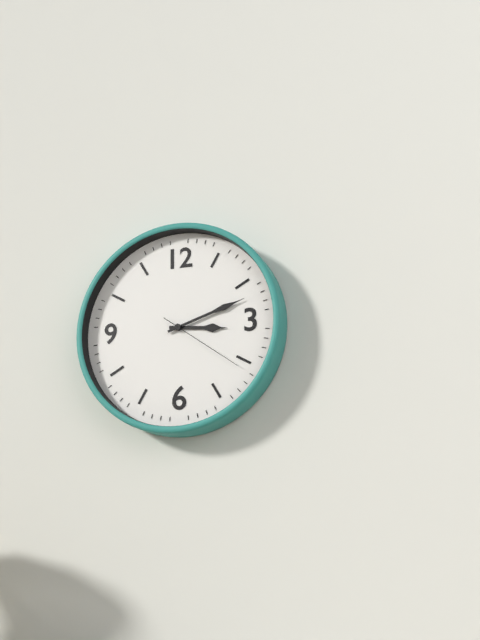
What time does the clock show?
3:12:21
